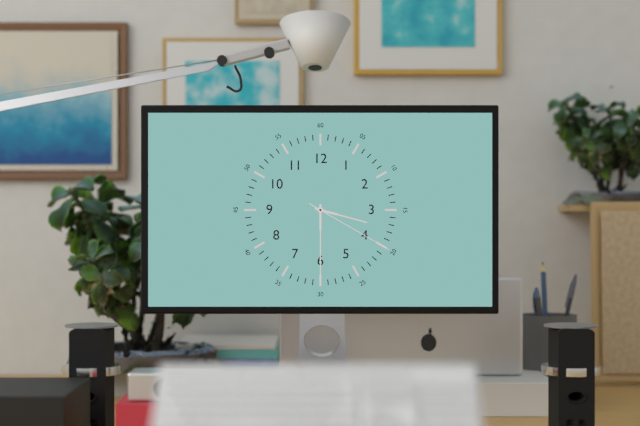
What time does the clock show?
3:30:20
